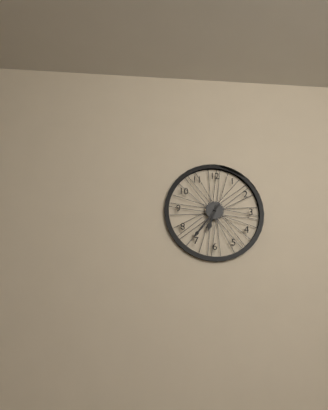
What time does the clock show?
6:36
